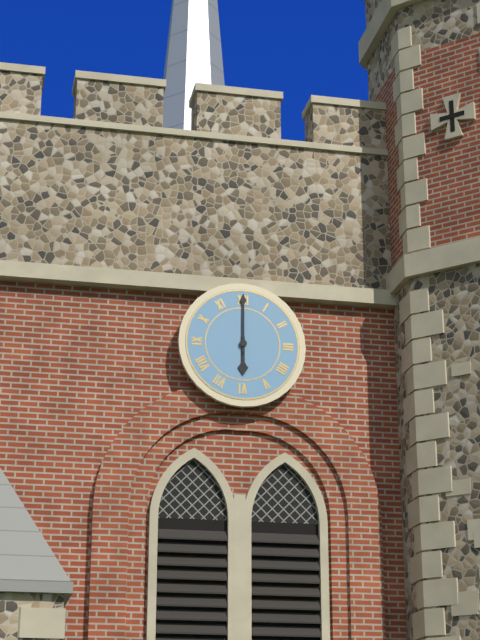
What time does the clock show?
6:00
